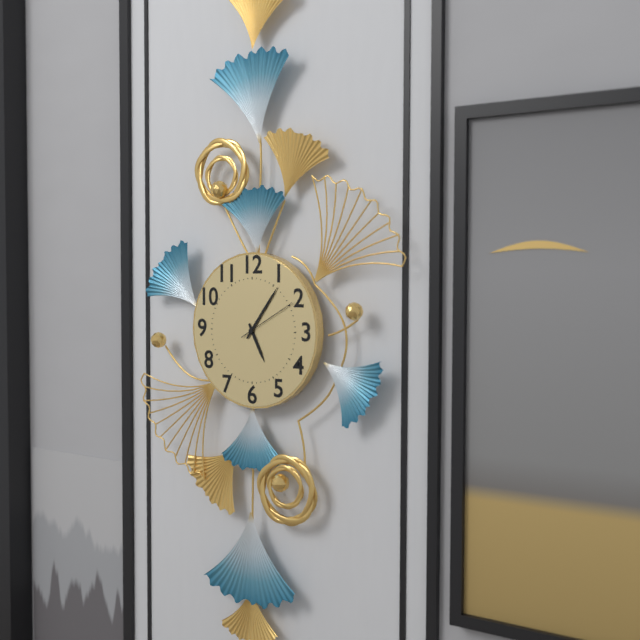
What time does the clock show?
5:06
